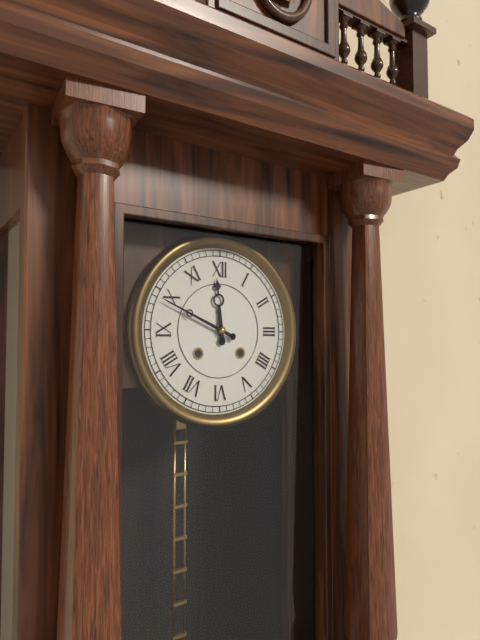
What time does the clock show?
11:49
